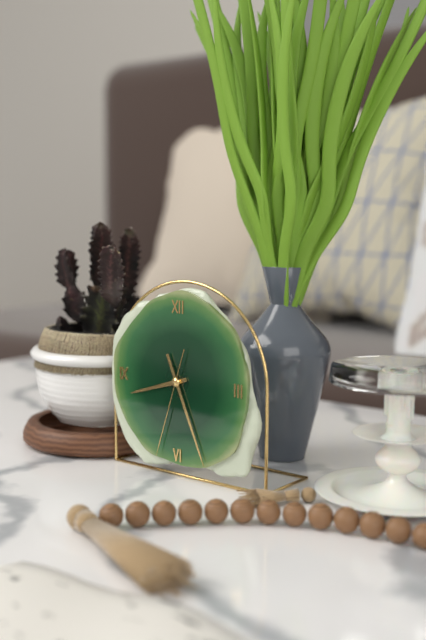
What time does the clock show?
8:26:33
